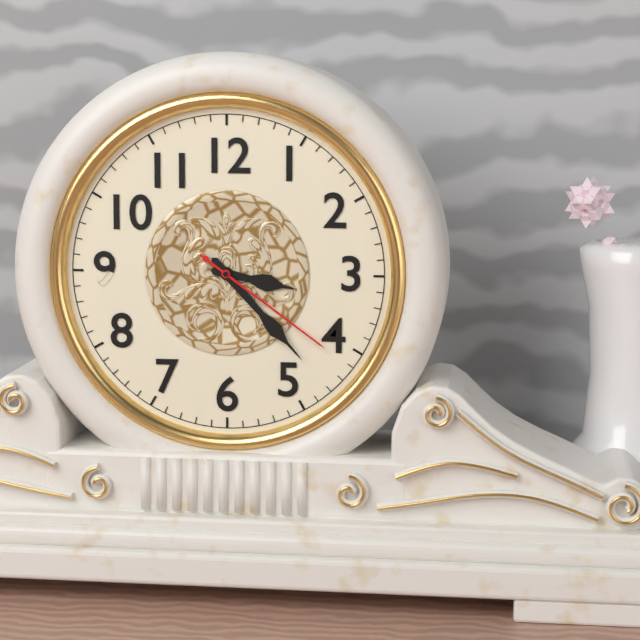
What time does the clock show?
3:23:21
